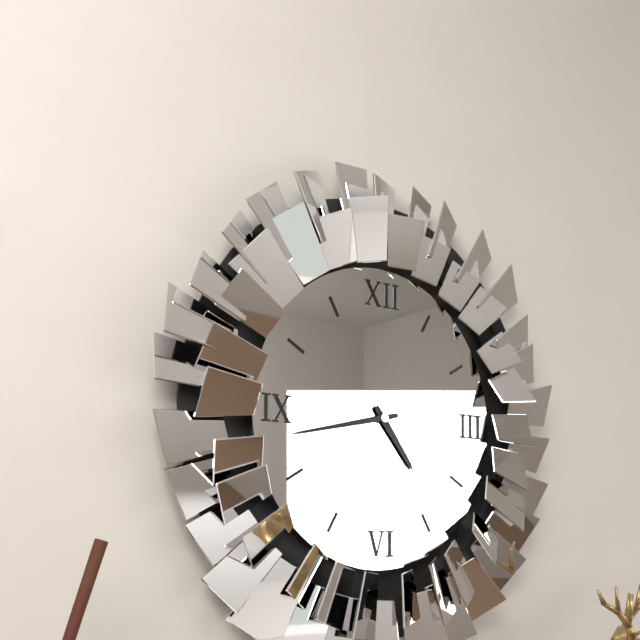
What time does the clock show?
4:43
